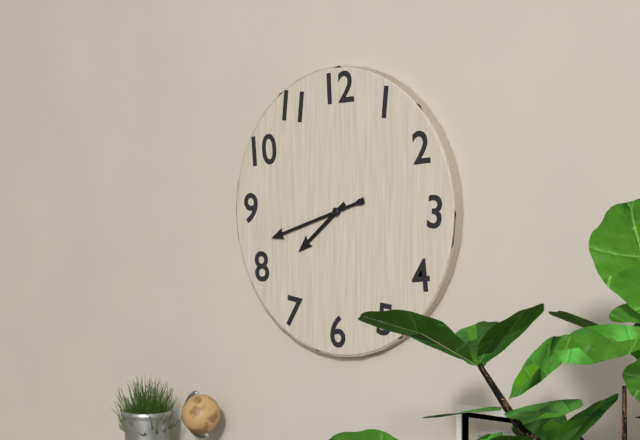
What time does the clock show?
7:42
